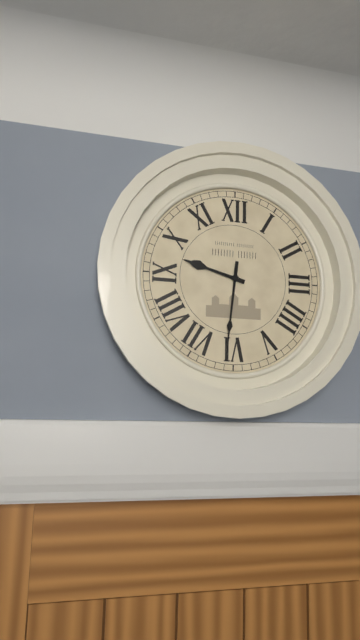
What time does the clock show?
9:31
